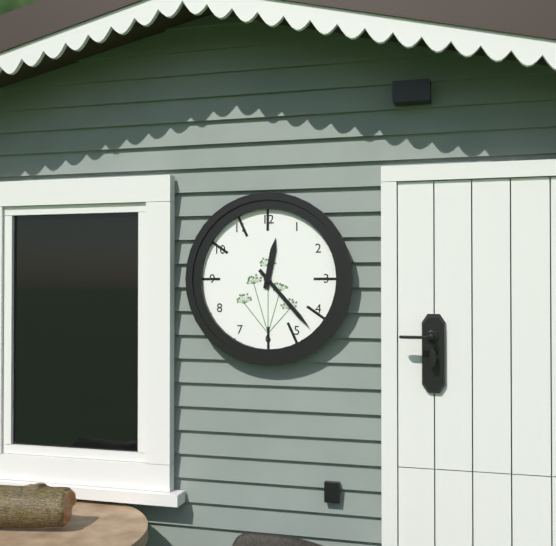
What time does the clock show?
12:23
